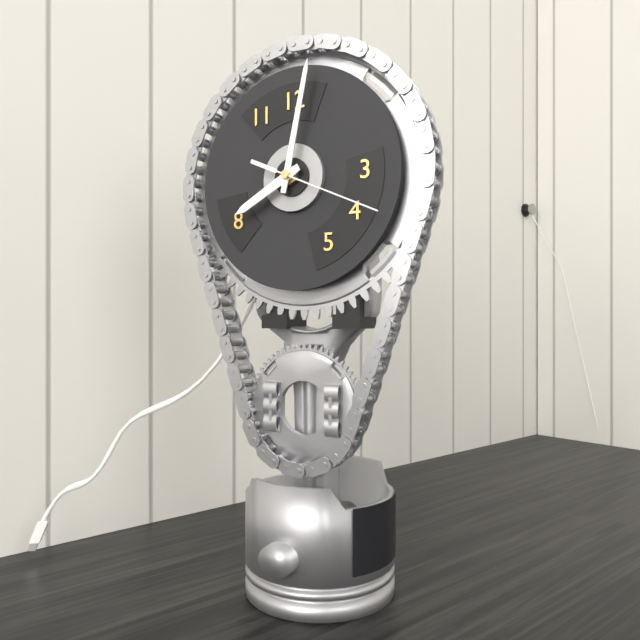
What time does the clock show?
8:02:19
